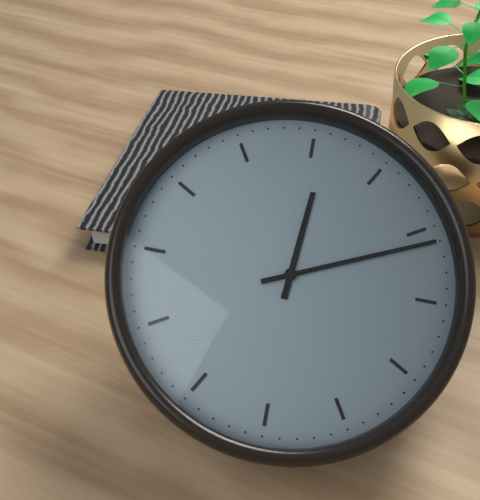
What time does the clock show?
12:11
